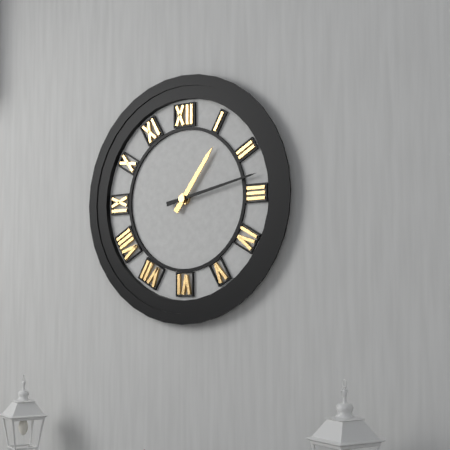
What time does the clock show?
1:13
